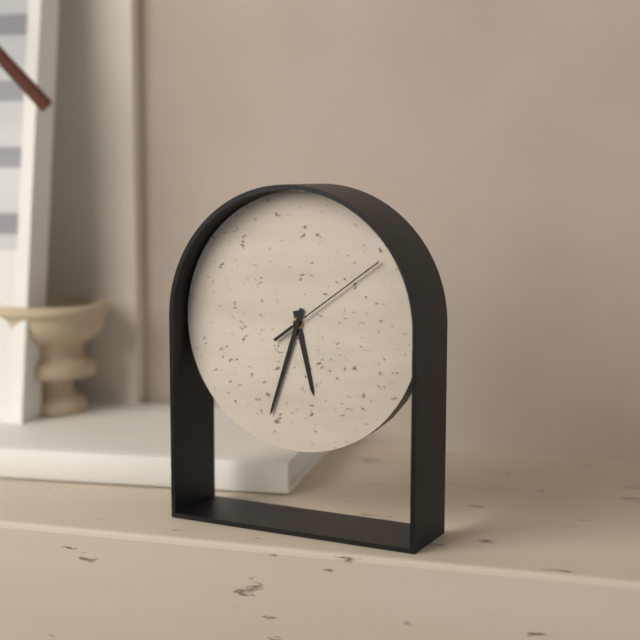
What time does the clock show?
5:33:09
